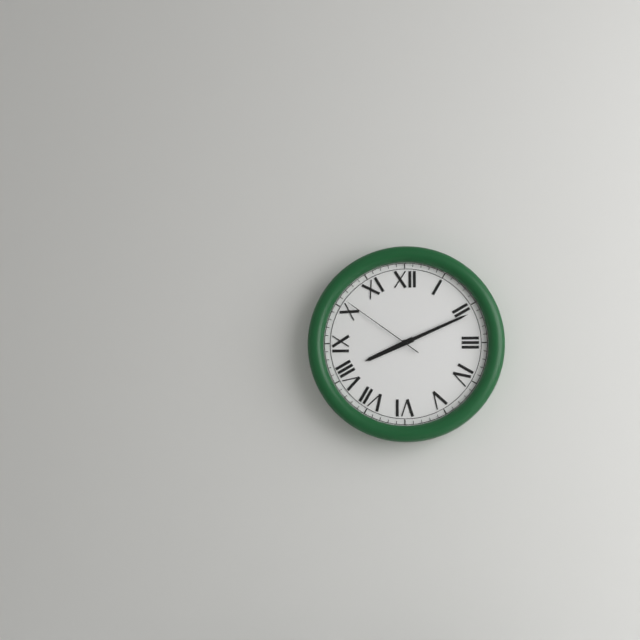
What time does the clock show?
8:11:51
